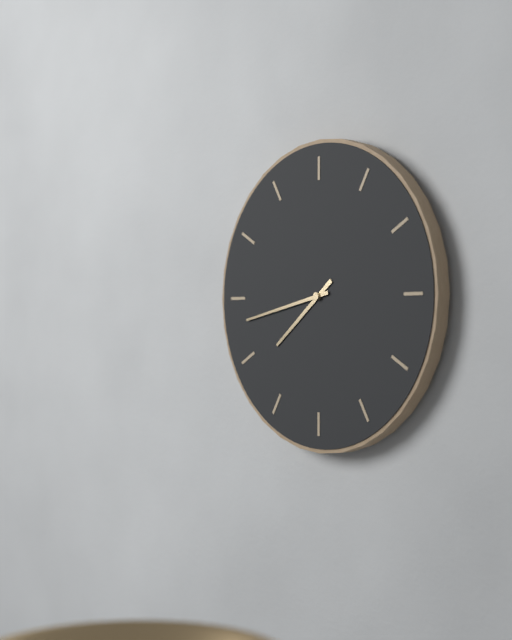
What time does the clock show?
7:43
